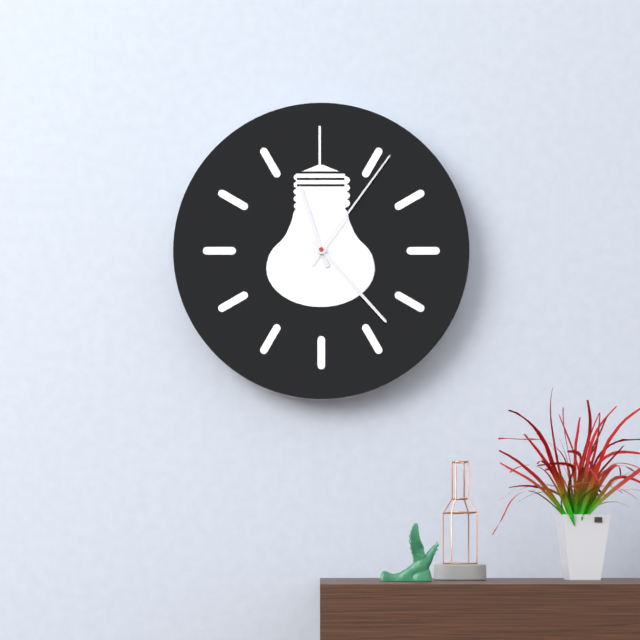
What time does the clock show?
11:23:06
